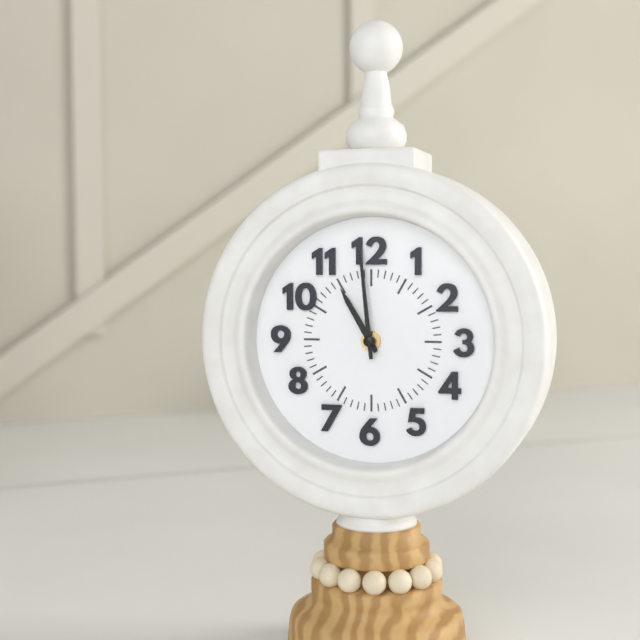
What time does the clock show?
10:59
